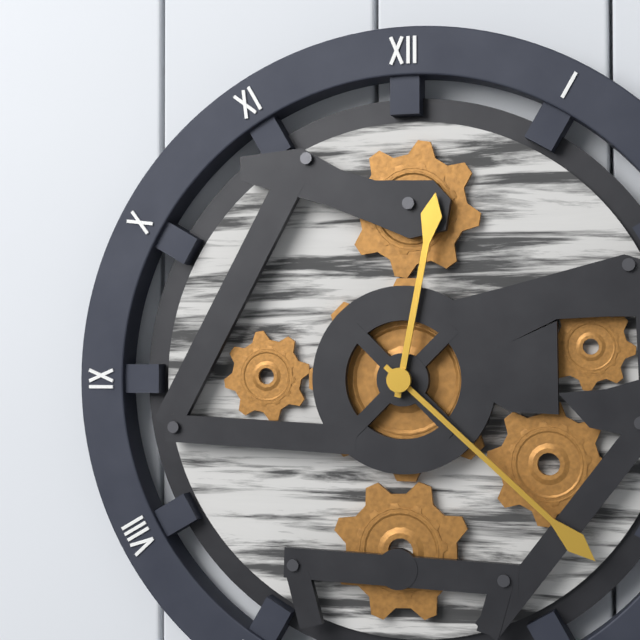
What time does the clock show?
12:22
